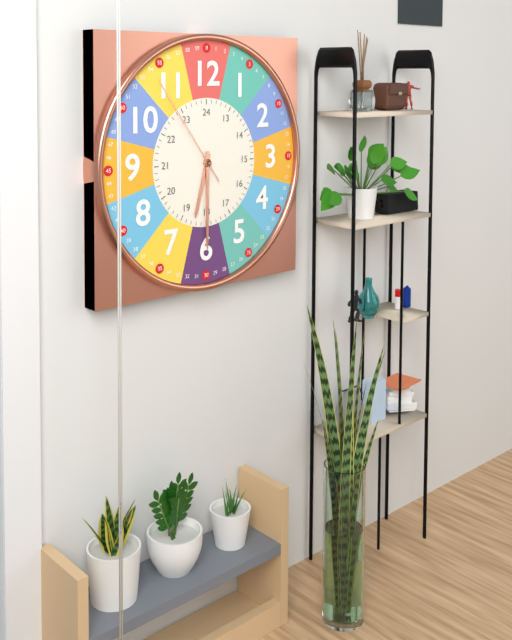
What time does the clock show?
6:30:54
